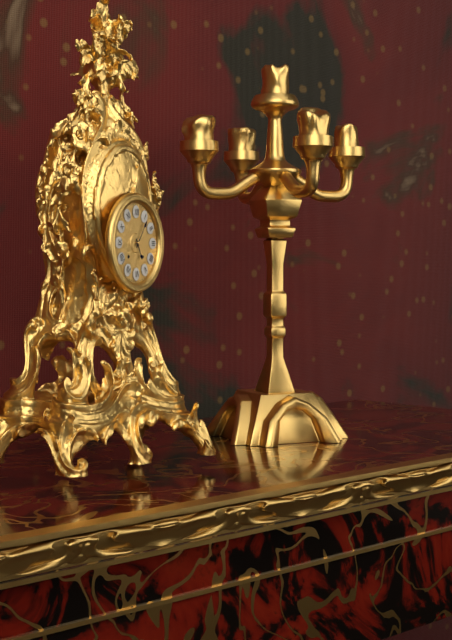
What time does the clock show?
5:06
